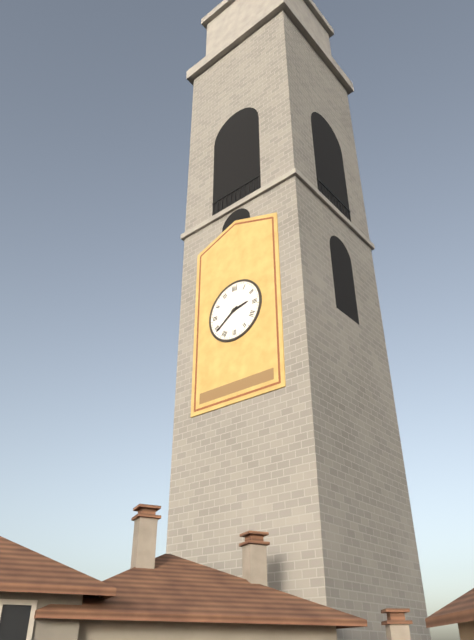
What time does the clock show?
2:39
